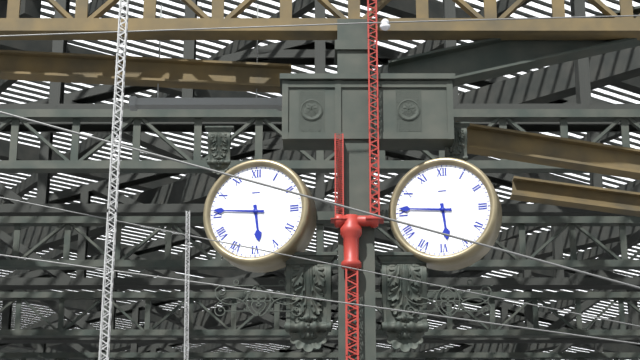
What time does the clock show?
5:46
